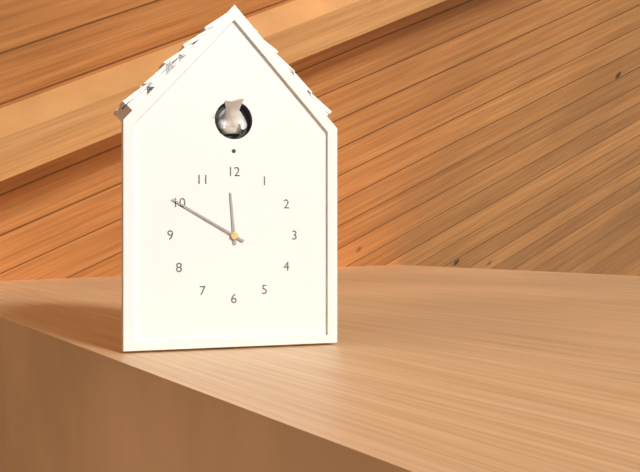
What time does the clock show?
11:50
